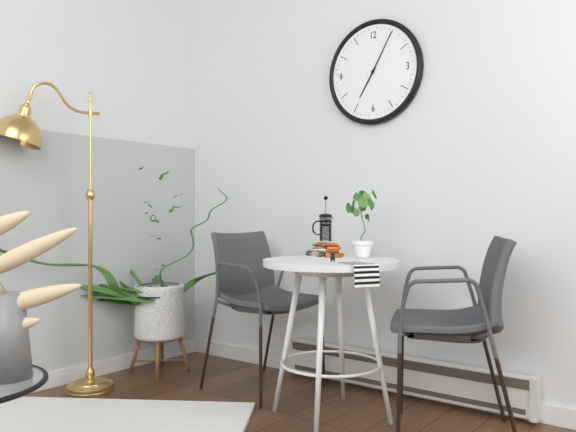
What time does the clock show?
7:05
